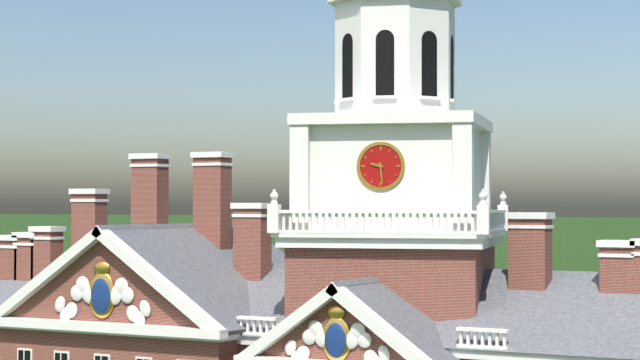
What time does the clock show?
9:29
